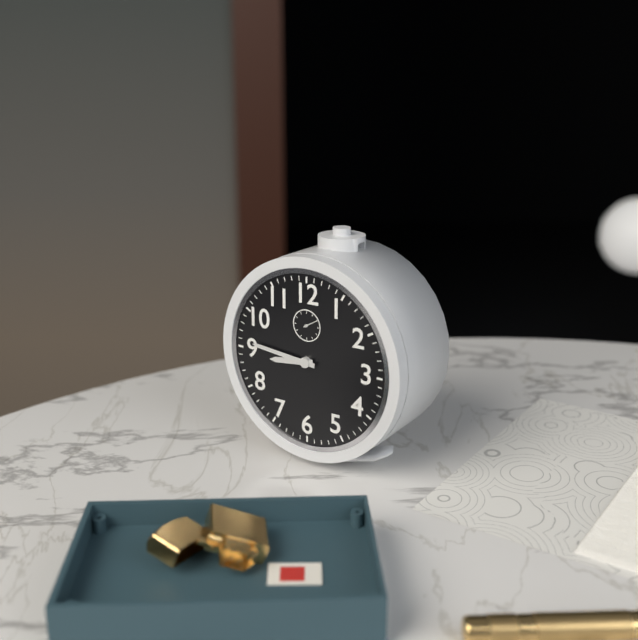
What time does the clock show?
8:46
